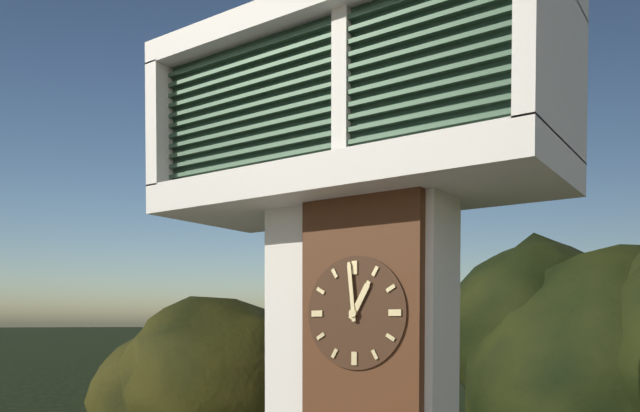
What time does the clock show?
12:59
